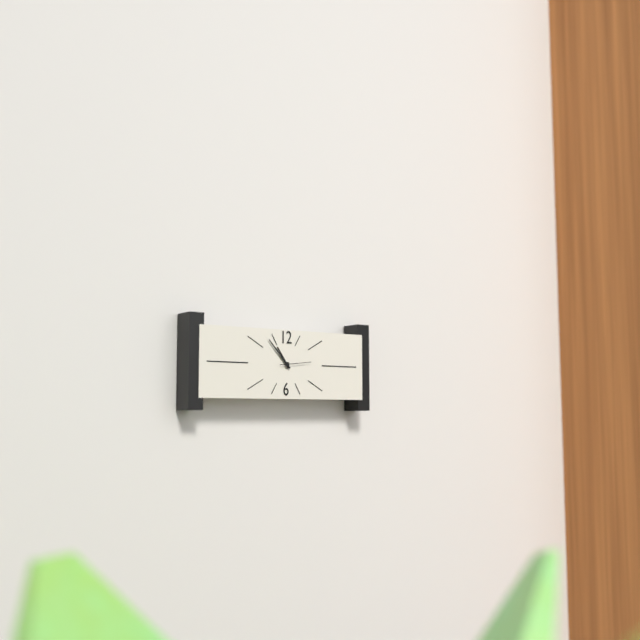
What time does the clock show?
10:53
